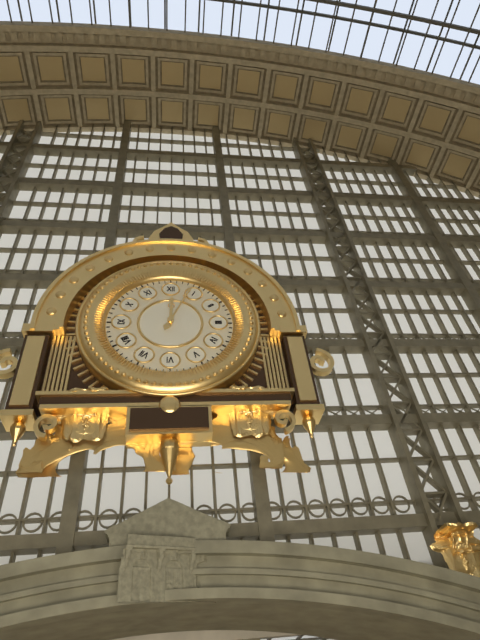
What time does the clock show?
12:04
